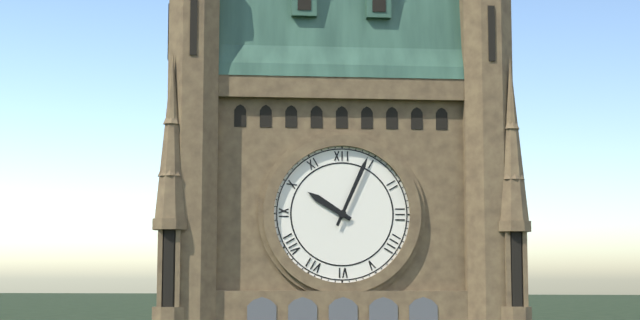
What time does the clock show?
10:04
